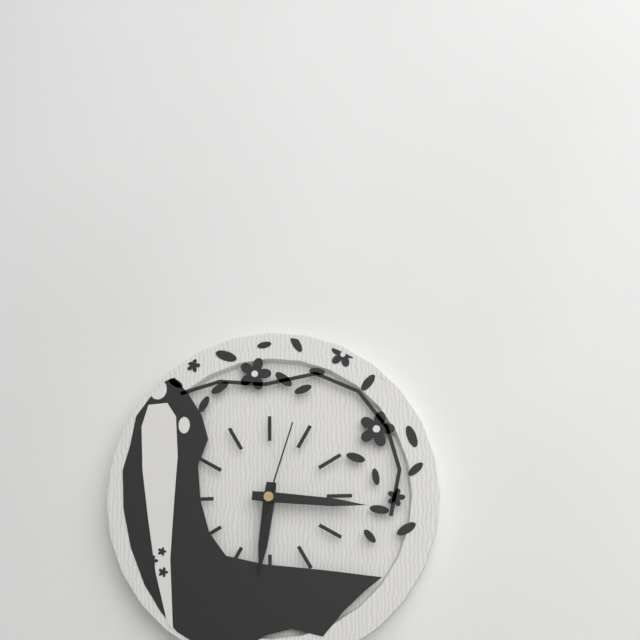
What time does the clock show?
6:16:03
